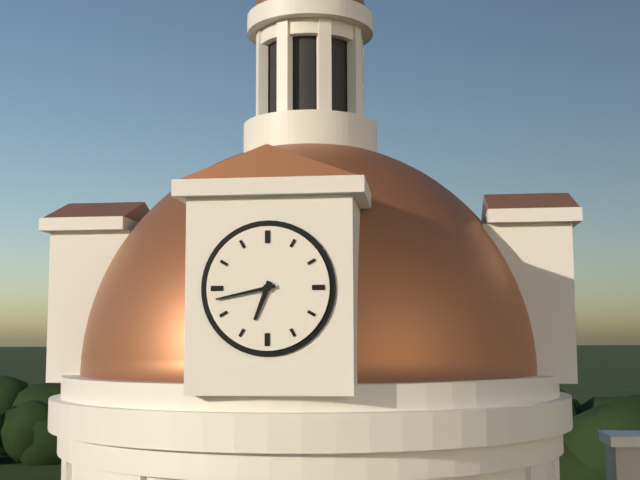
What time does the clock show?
6:43
